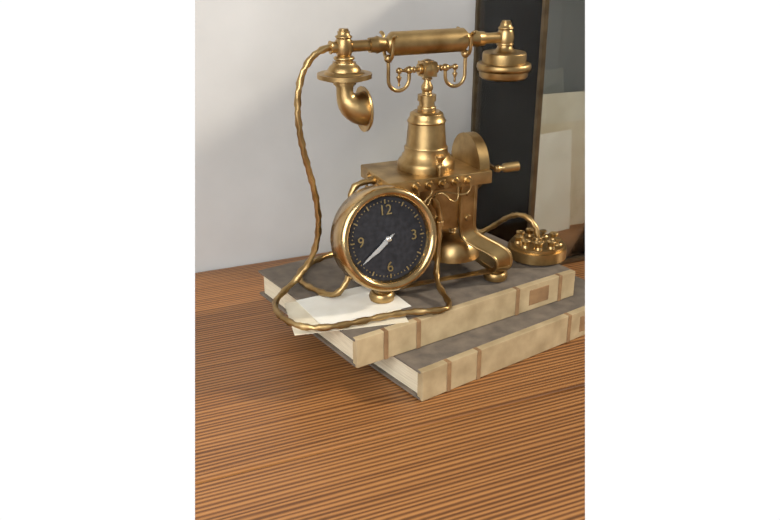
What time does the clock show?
7:39
